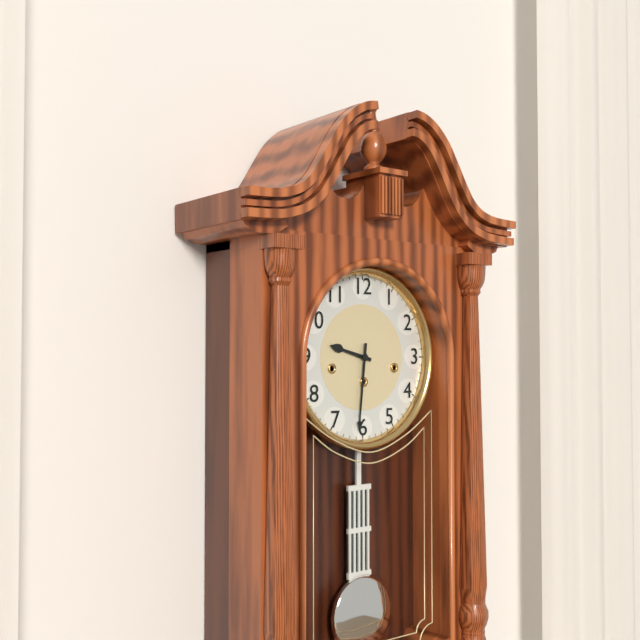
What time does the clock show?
9:31
